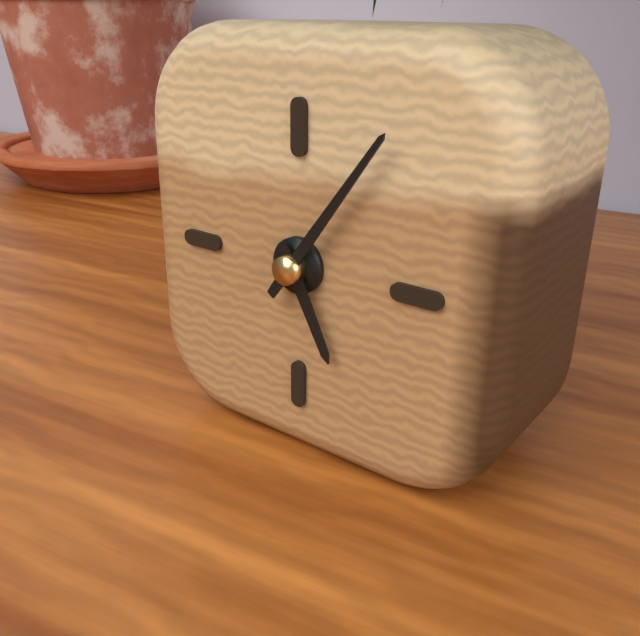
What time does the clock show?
5:06
